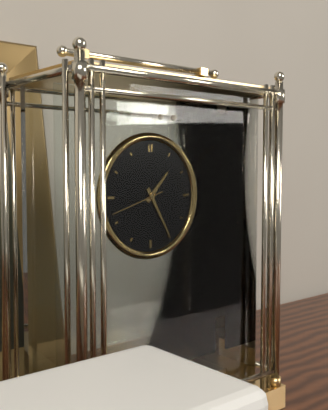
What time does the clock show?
1:25:42
